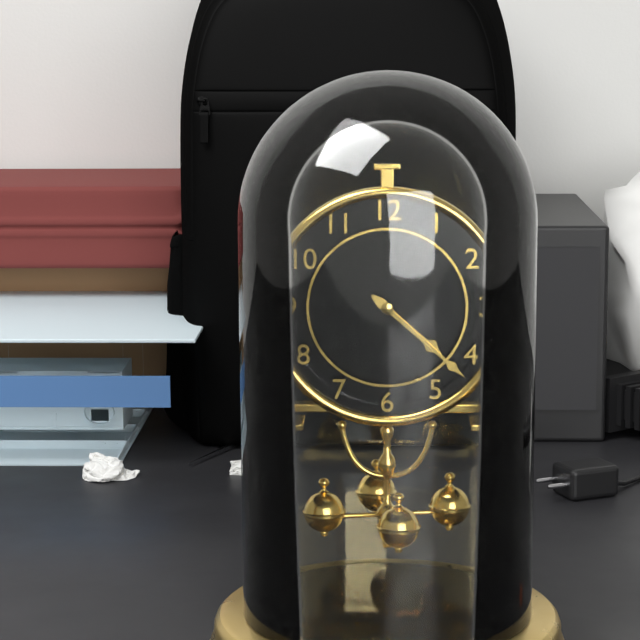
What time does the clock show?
4:22
